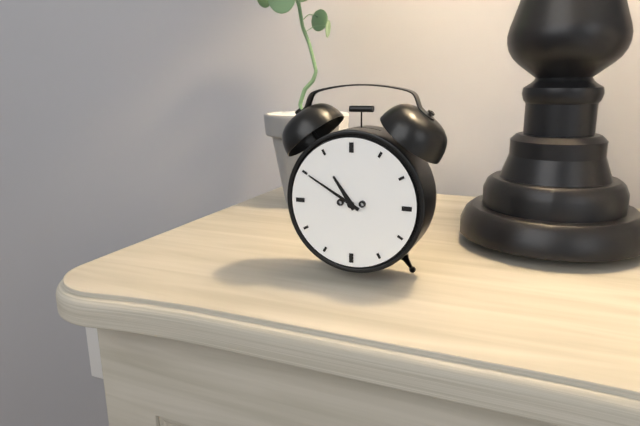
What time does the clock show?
10:50
